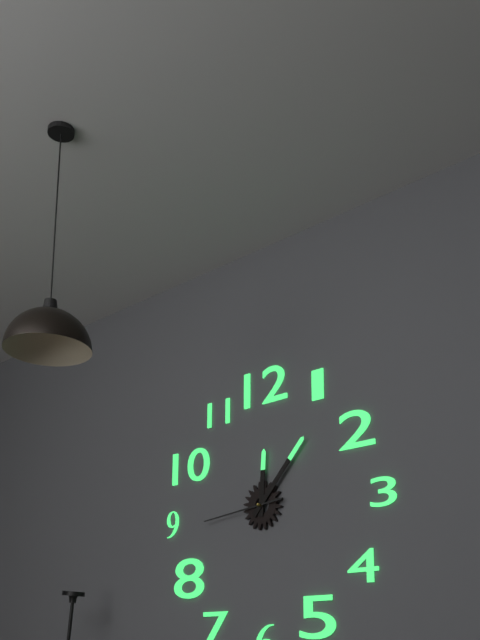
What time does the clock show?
12:07:44
